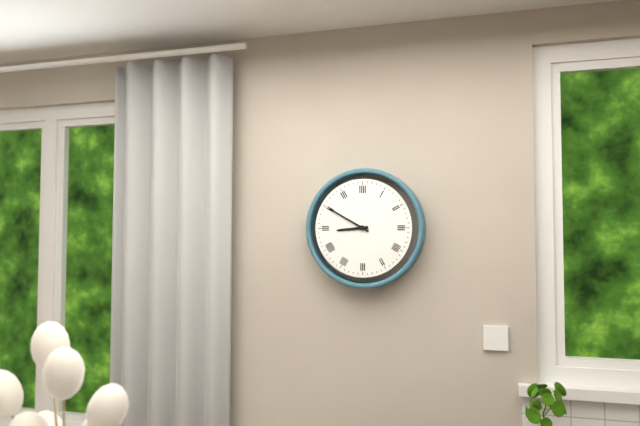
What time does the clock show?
8:50
